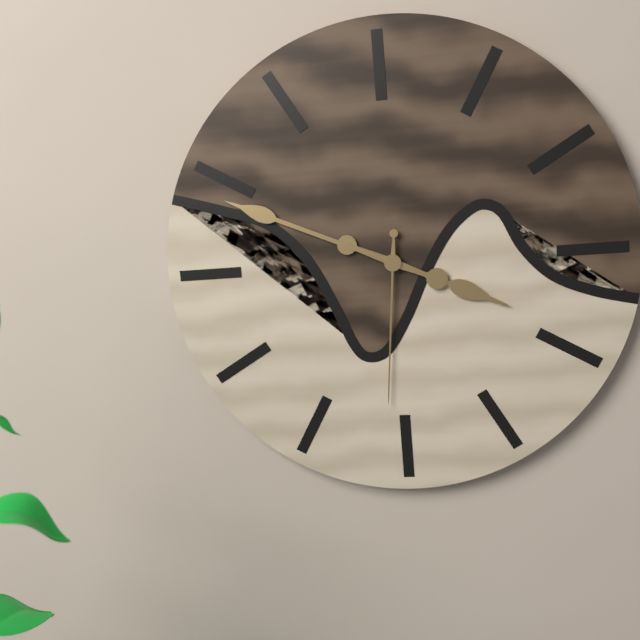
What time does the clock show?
3:49:31
